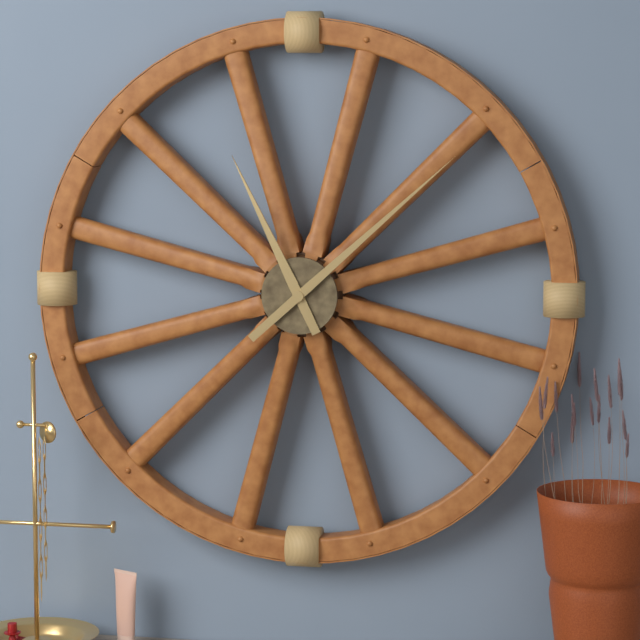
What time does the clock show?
11:08
